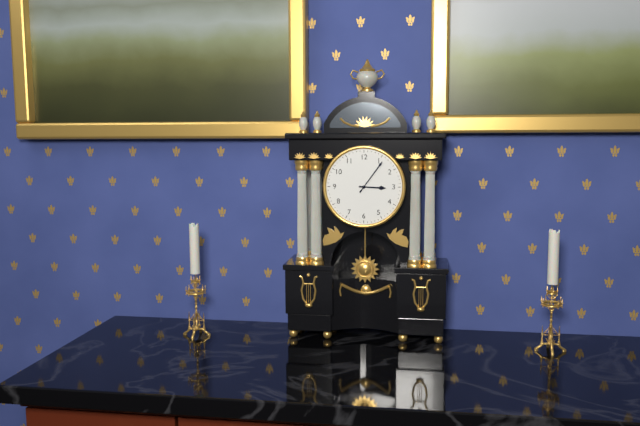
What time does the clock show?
3:06
